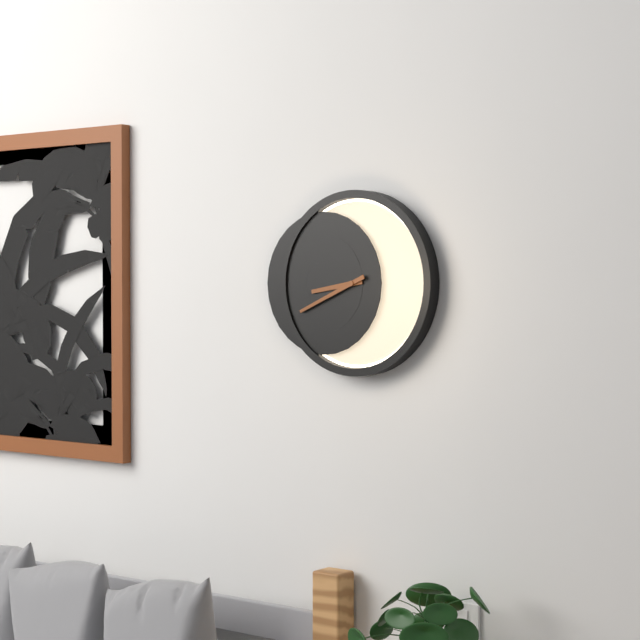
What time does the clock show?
8:41
